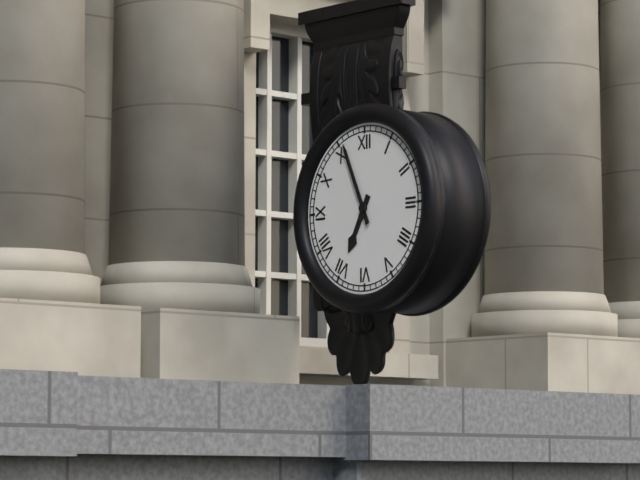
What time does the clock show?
6:56
